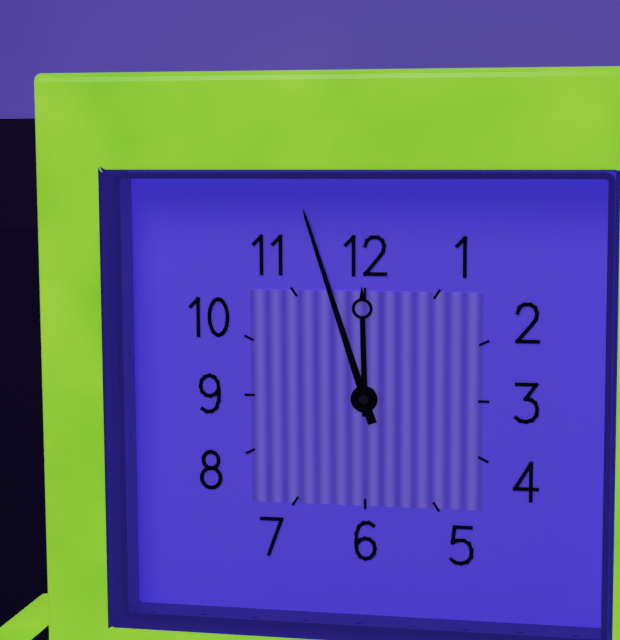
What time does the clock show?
11:57
